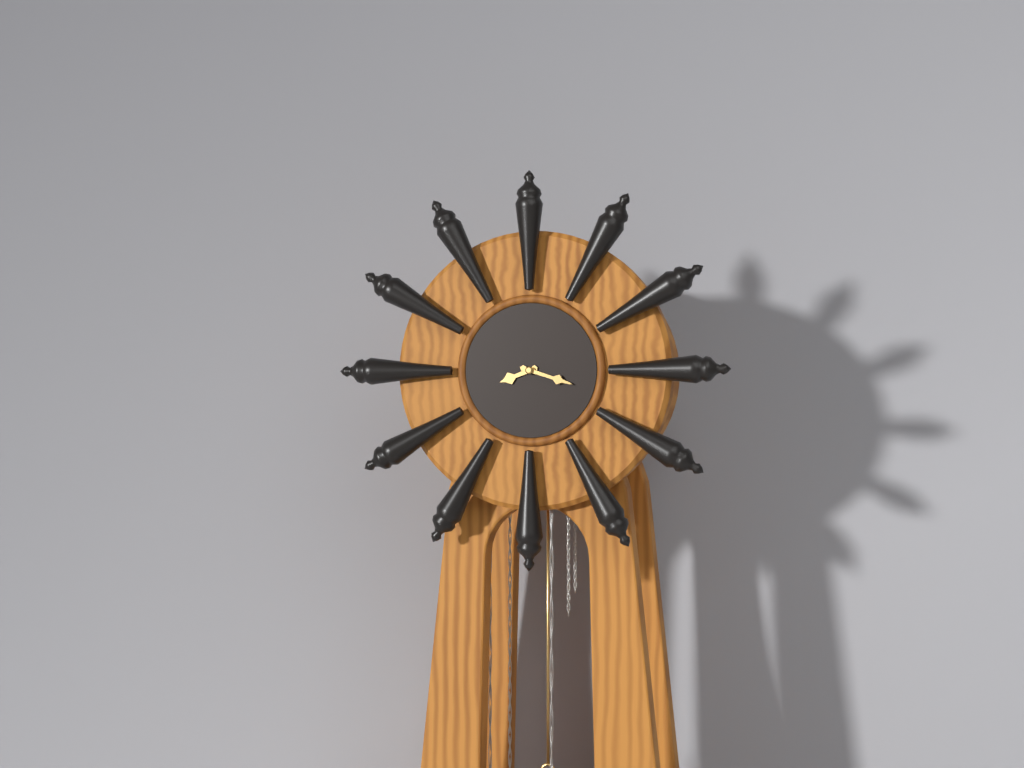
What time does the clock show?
8:18
